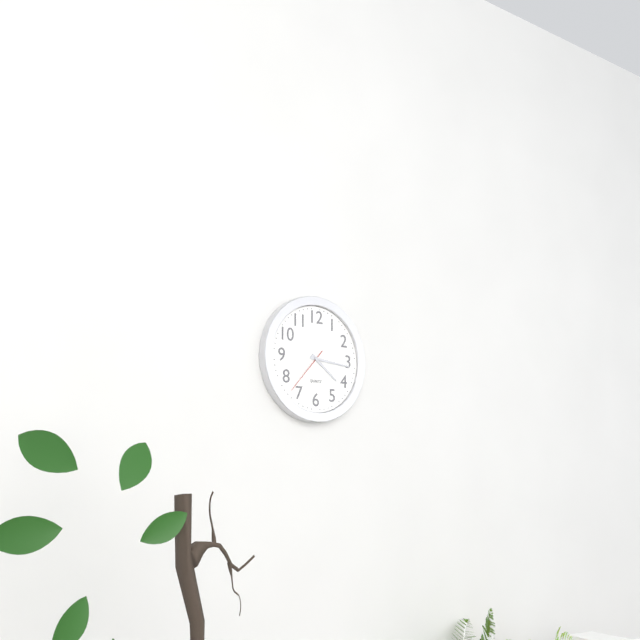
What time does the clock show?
4:16:37
